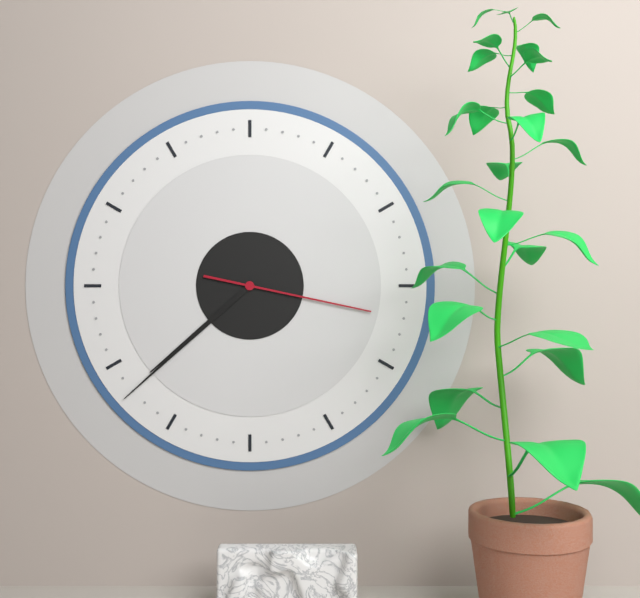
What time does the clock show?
7:38:17
